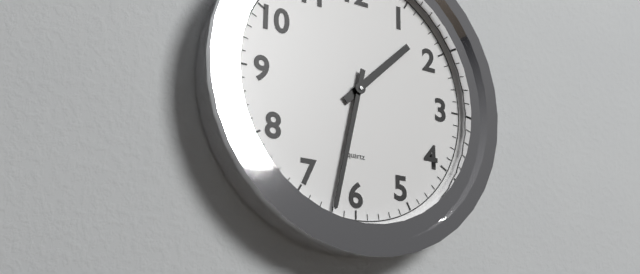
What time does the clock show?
1:32
